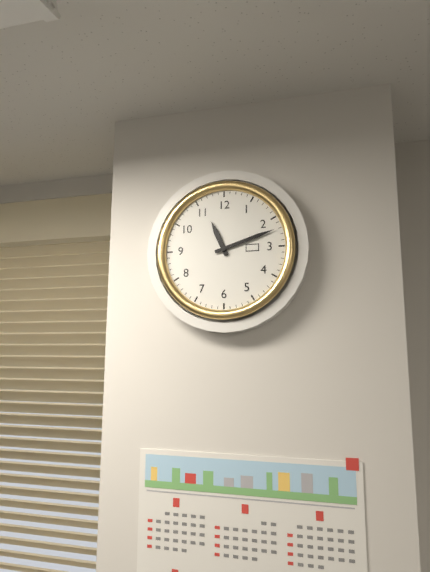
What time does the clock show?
11:12
